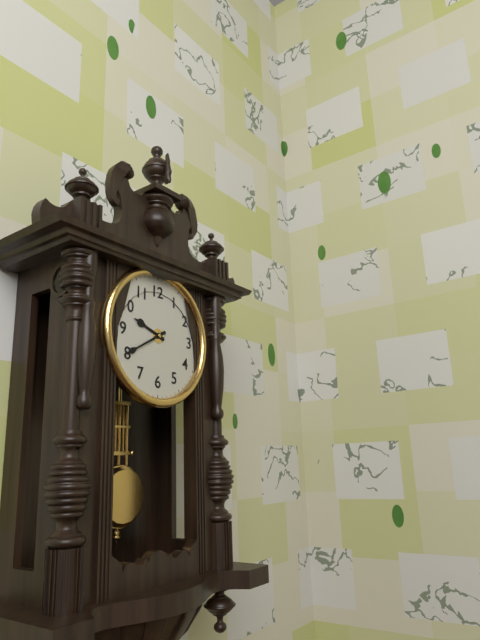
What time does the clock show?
9:40
